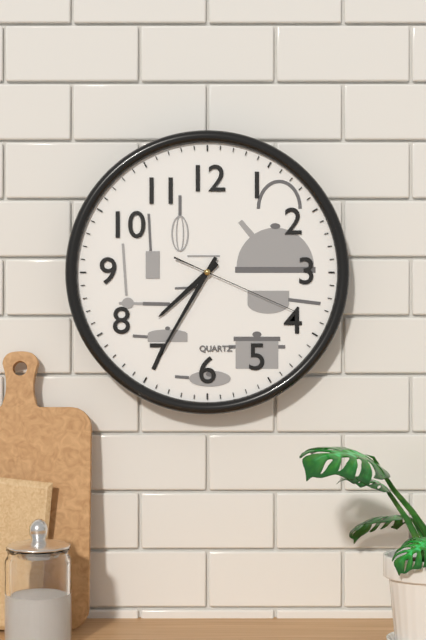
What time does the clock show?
7:35:19
